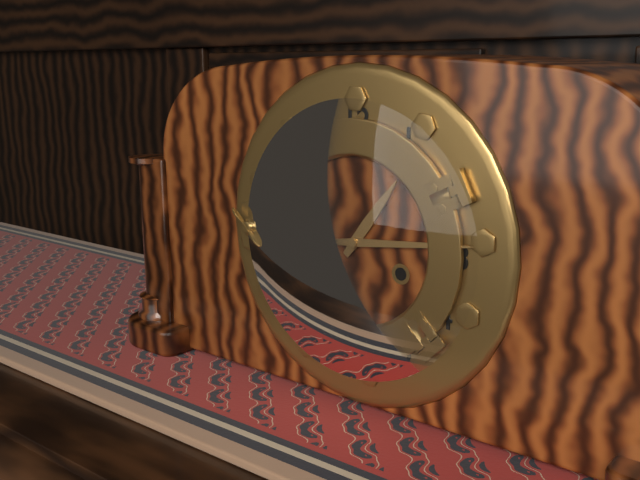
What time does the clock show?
1:14
